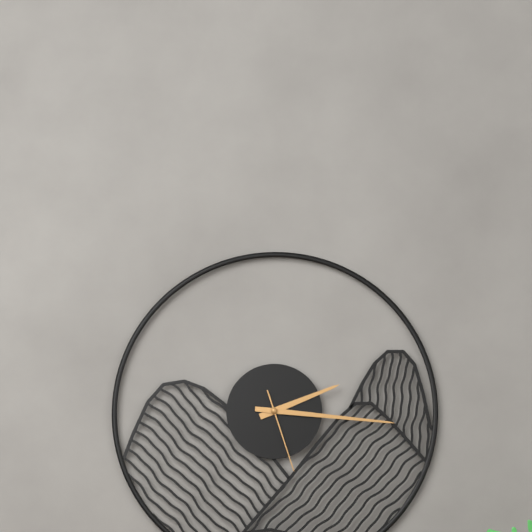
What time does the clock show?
2:16:27
